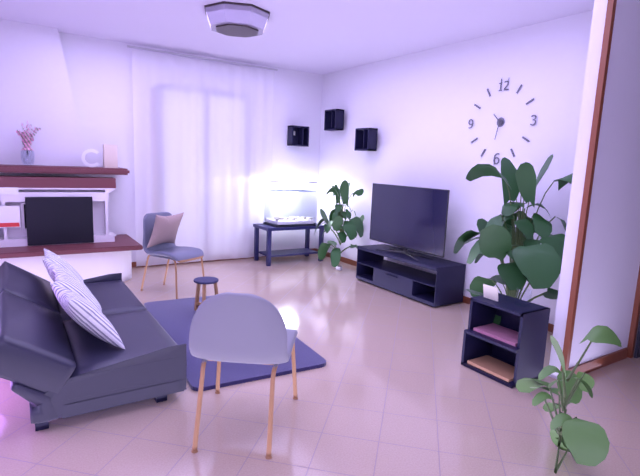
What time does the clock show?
10:32
